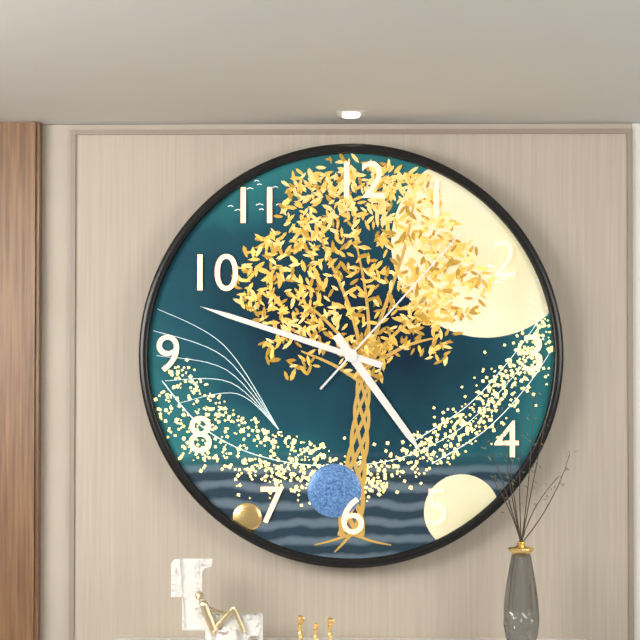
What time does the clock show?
4:48:07
